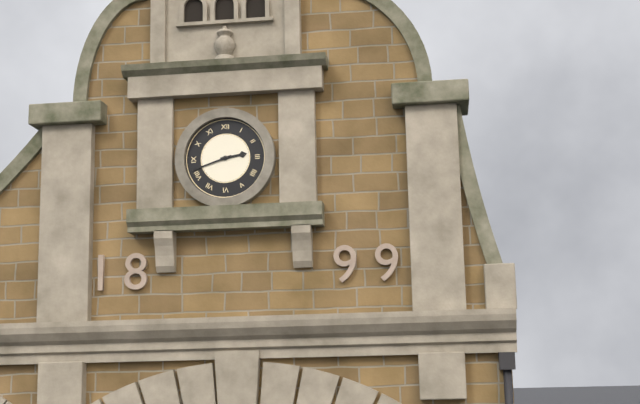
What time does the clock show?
2:42
